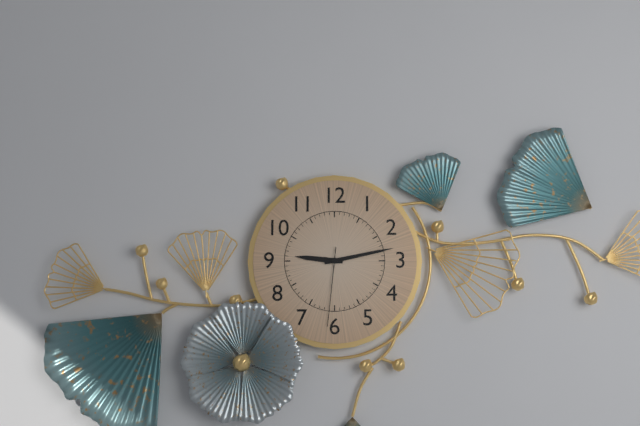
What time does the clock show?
9:13:31
